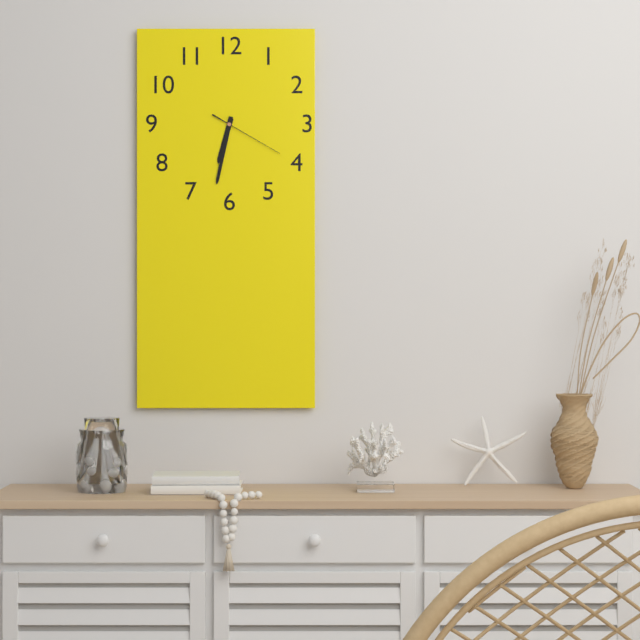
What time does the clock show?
6:32:20
